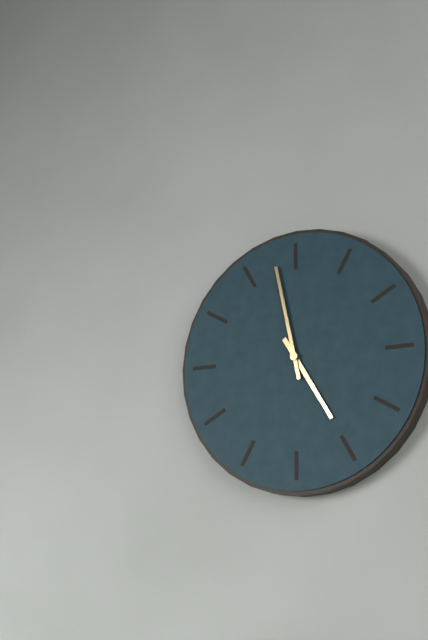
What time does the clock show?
4:58
